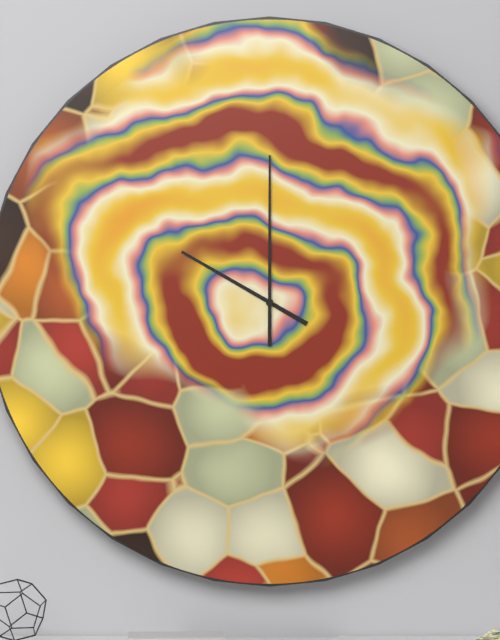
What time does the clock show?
10:00
